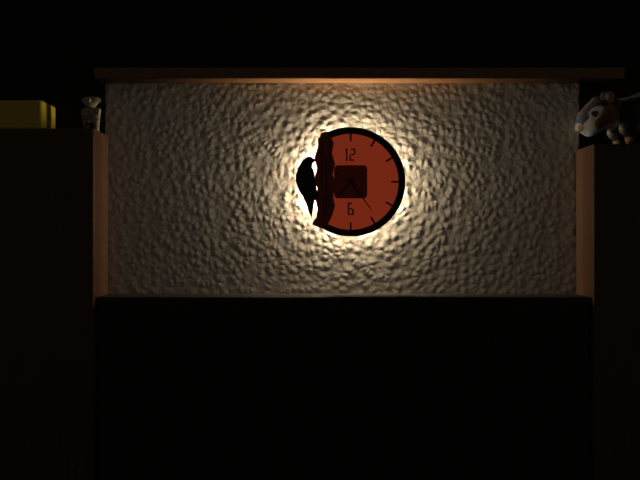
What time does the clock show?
7:24
